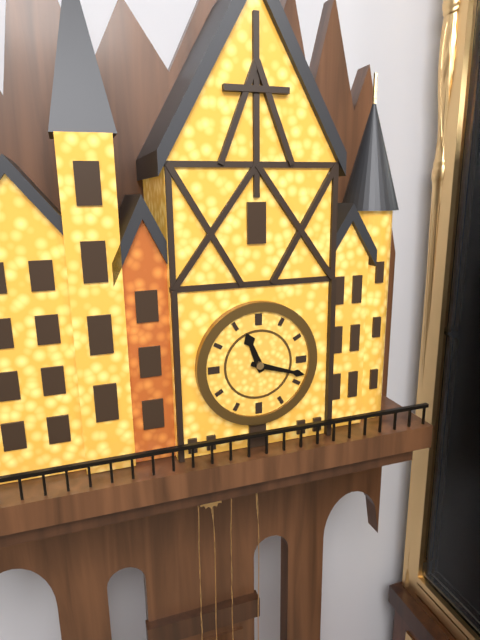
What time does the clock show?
11:18
